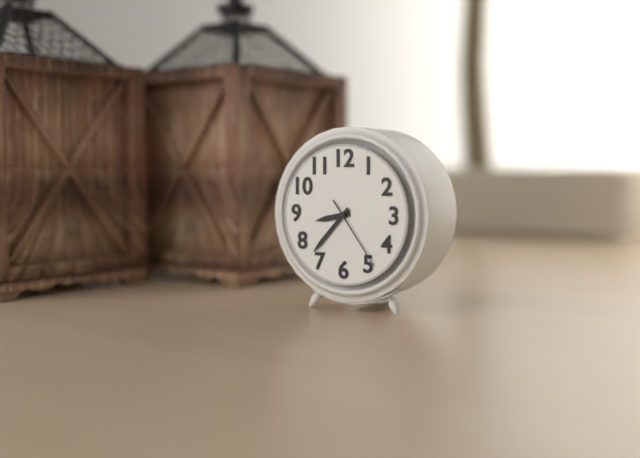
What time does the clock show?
8:37:24
